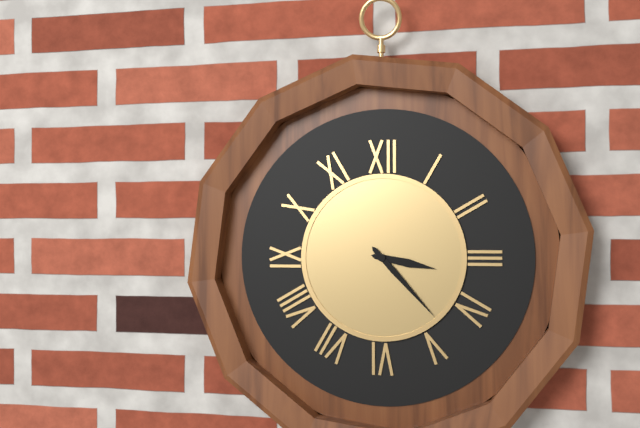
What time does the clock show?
3:23
